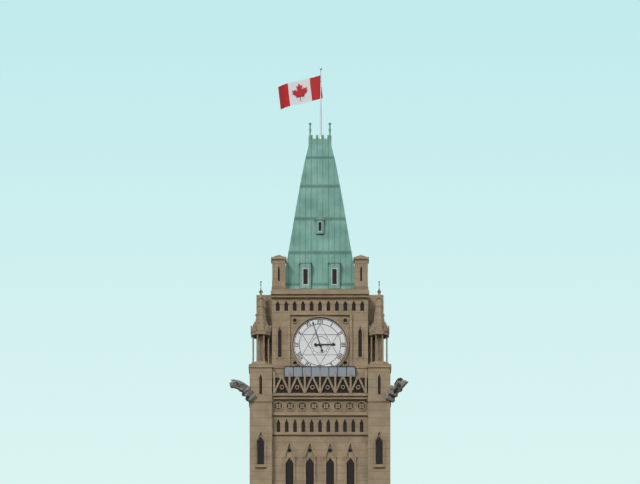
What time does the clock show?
2:57
